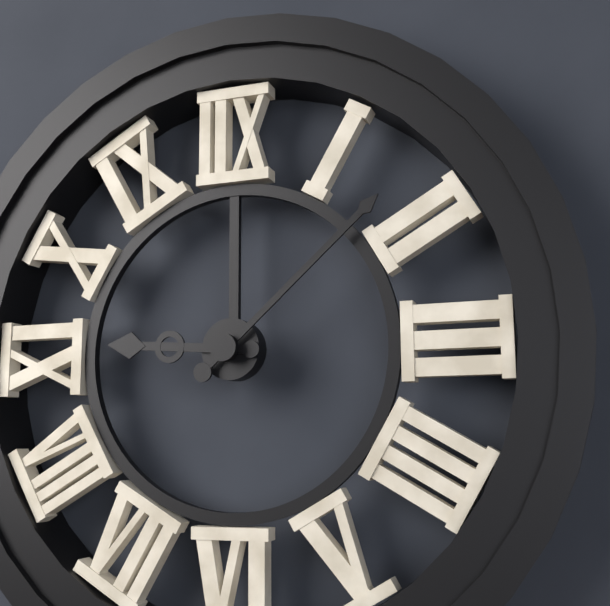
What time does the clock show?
9:08
